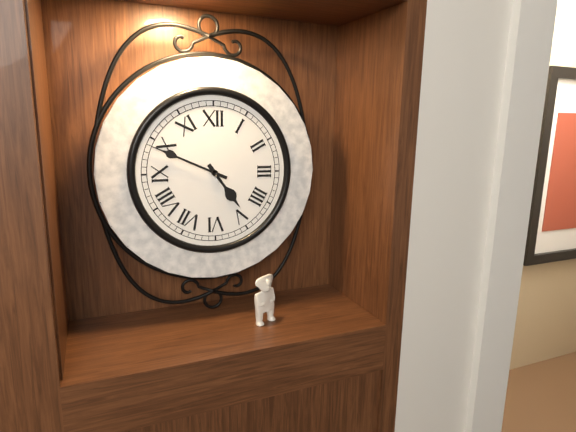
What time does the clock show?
4:49
